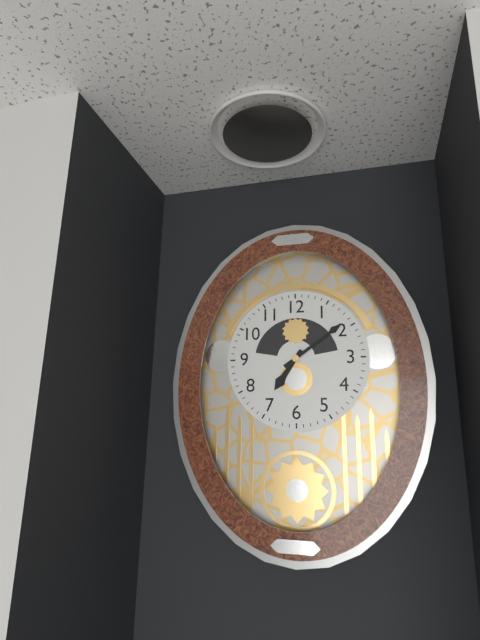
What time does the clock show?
7:09
